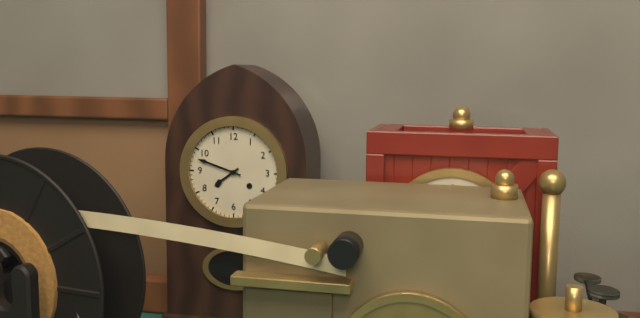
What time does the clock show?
7:48
